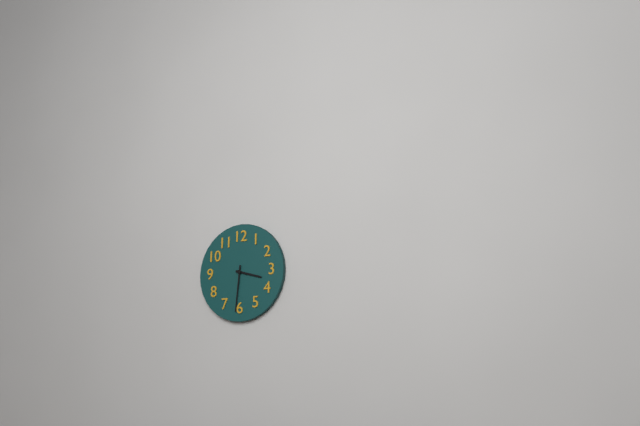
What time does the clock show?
3:31
